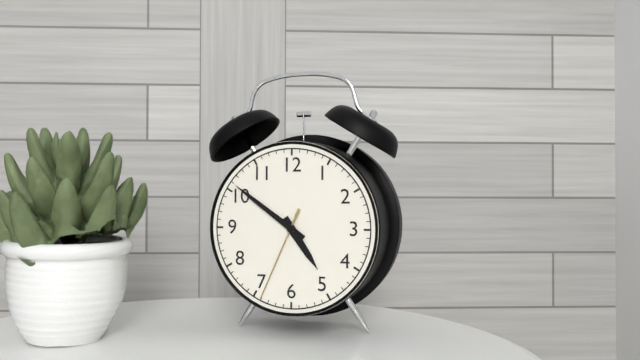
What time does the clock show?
4:51:34
